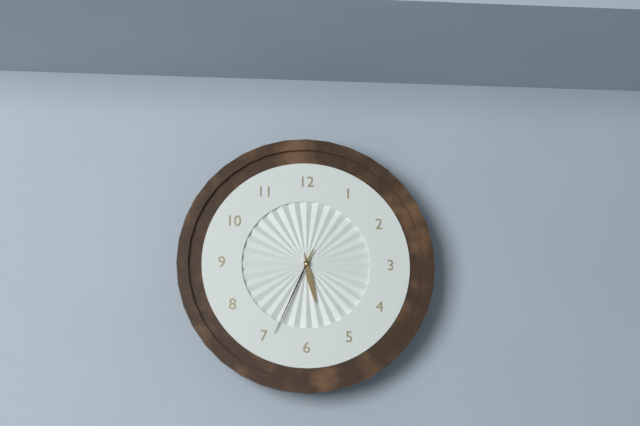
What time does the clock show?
5:34
